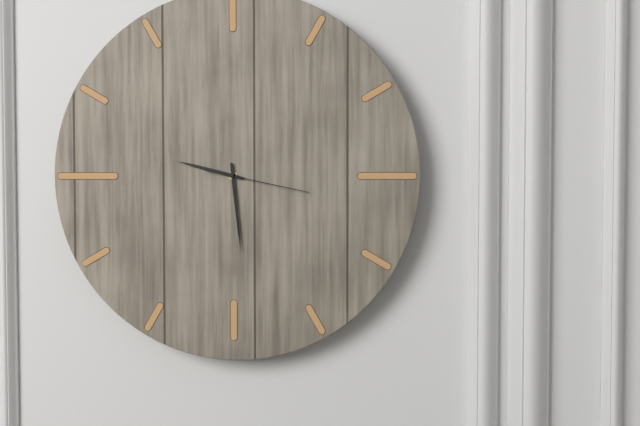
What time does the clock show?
9:29:17
